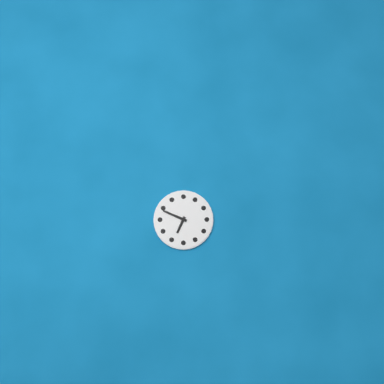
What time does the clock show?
6:49
